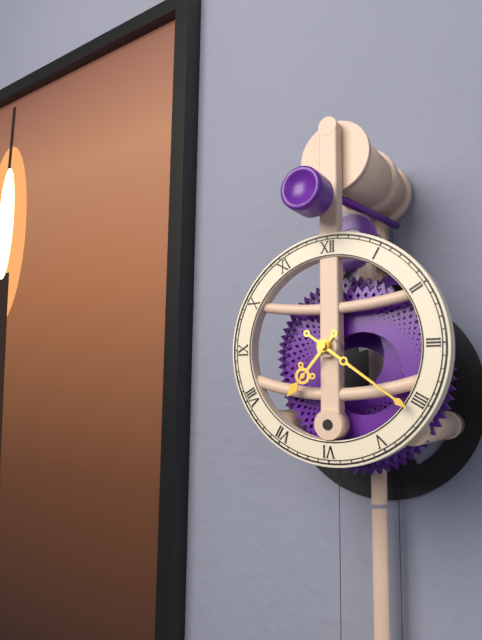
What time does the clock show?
7:21
